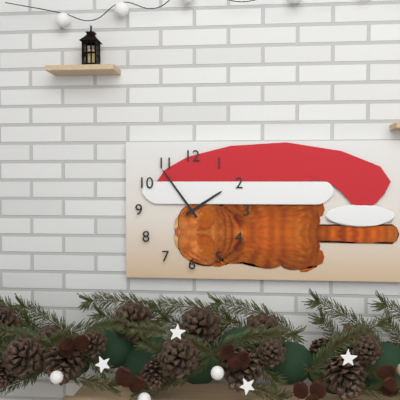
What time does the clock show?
1:54
